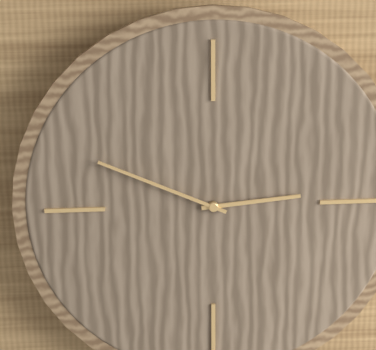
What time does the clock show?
2:49
